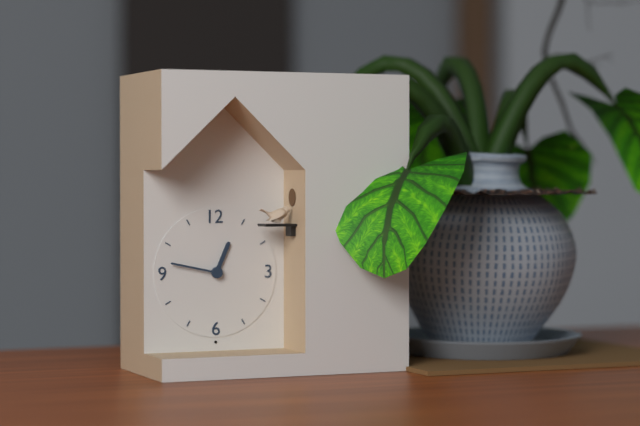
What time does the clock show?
12:47
